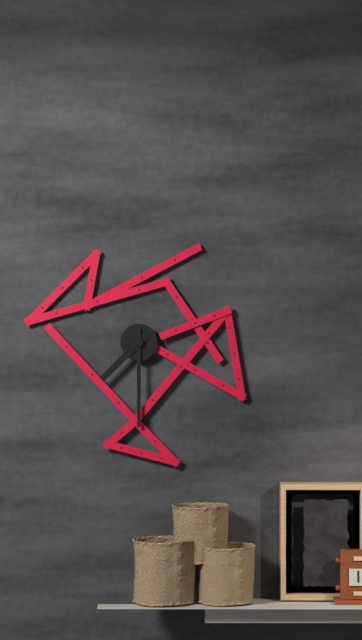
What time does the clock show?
7:30
